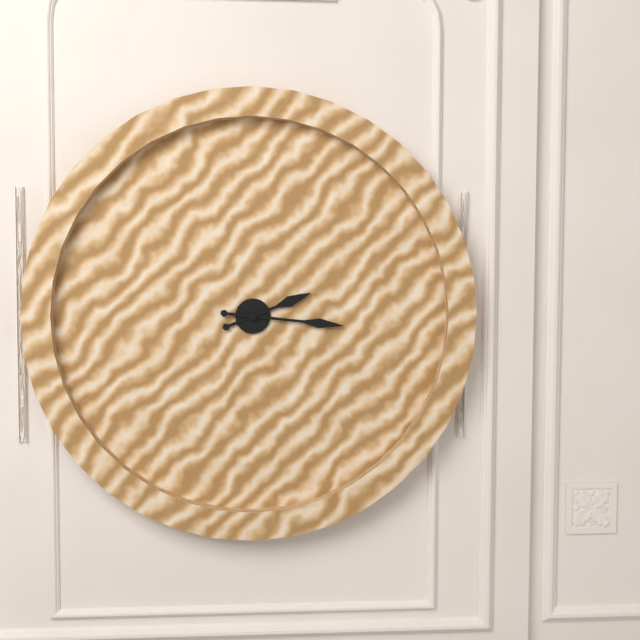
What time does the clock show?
2:16
